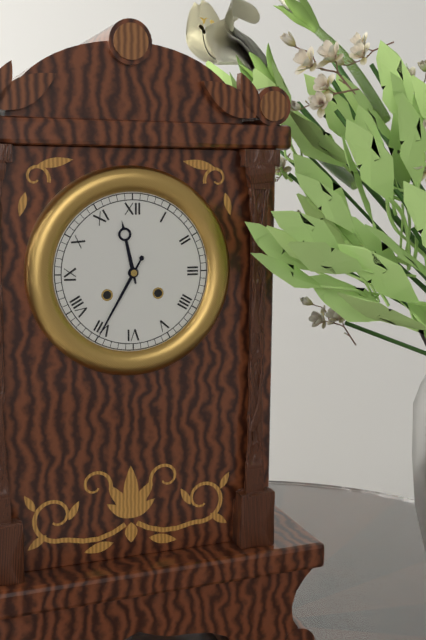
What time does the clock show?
11:35
